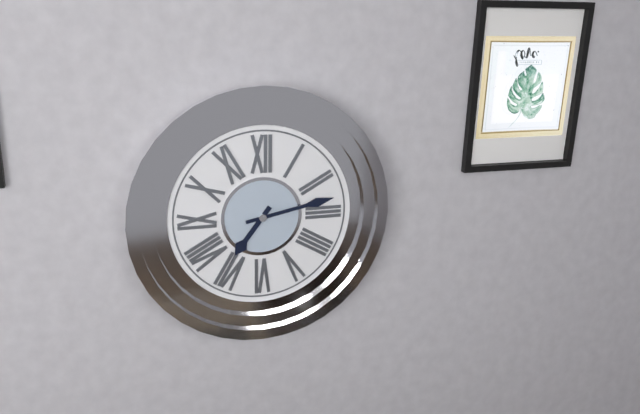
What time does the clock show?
7:13
